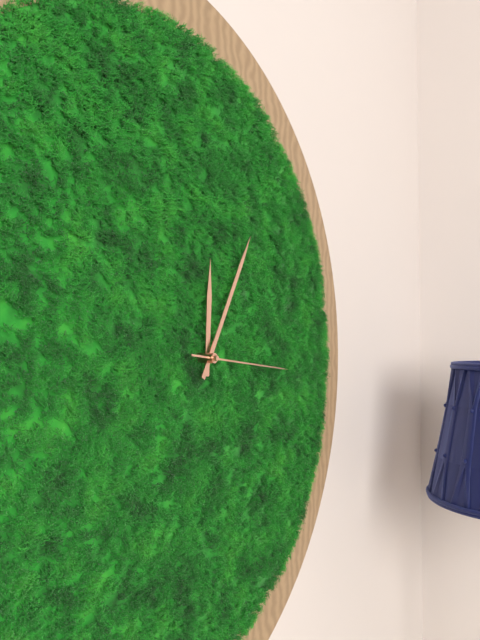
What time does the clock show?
12:05:16
